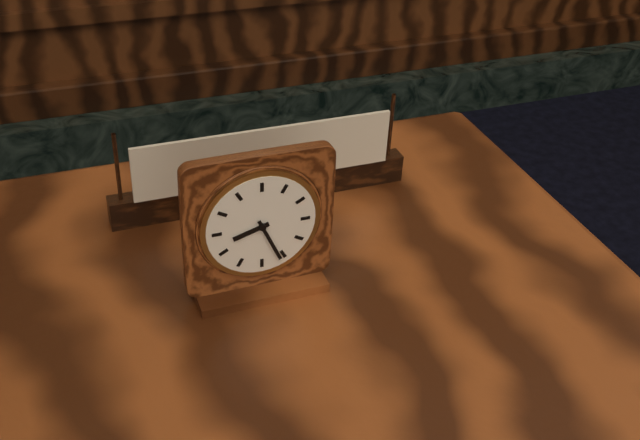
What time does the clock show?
8:26
